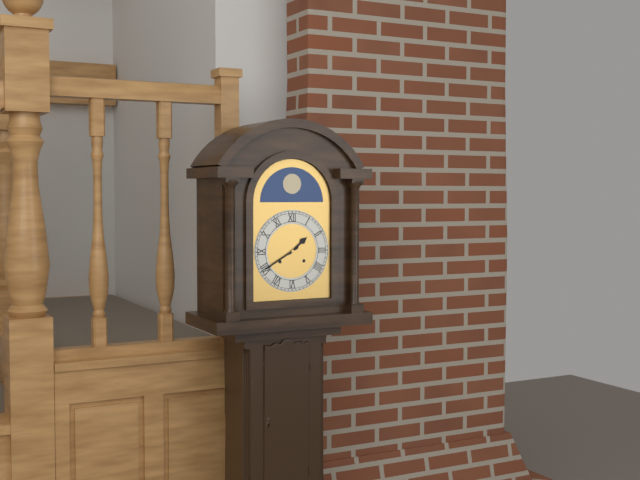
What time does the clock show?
1:40
